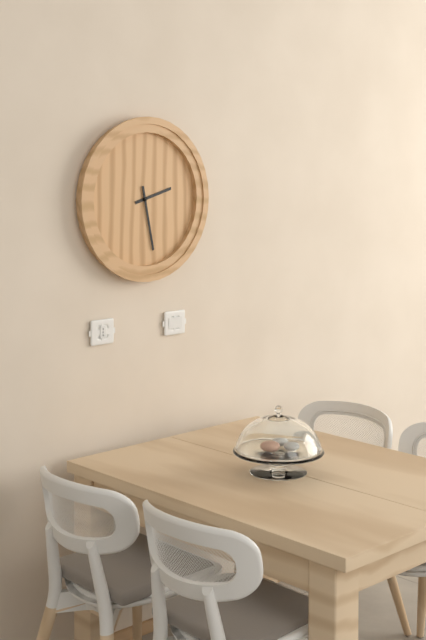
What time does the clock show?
2:28
